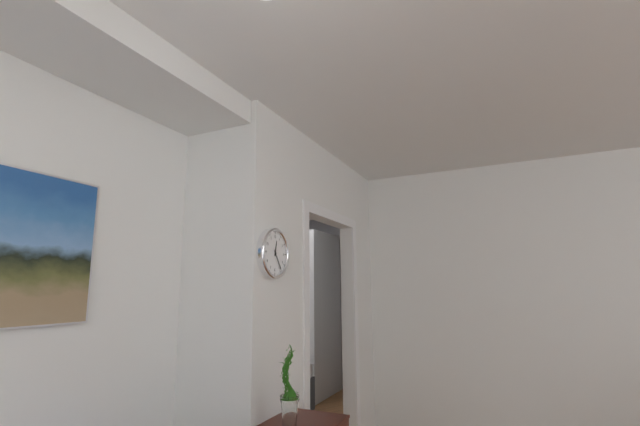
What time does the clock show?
12:24
